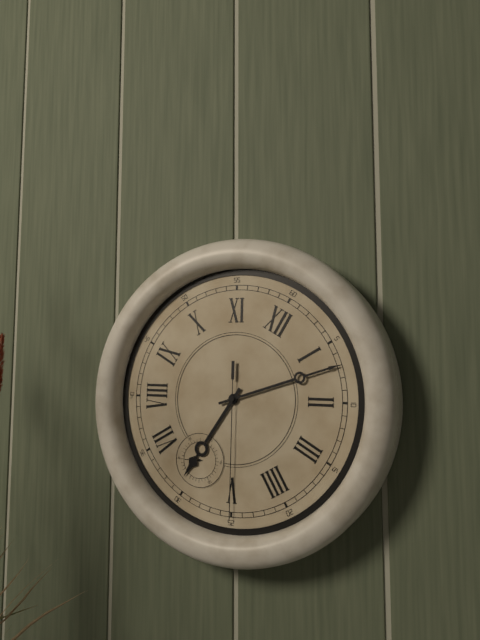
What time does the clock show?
6:07:25
